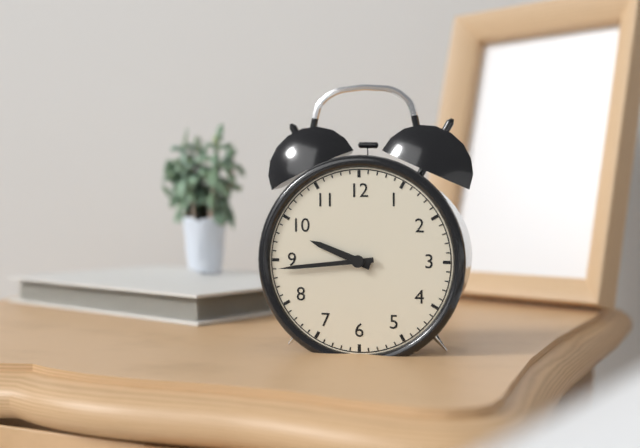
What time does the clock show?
9:44
